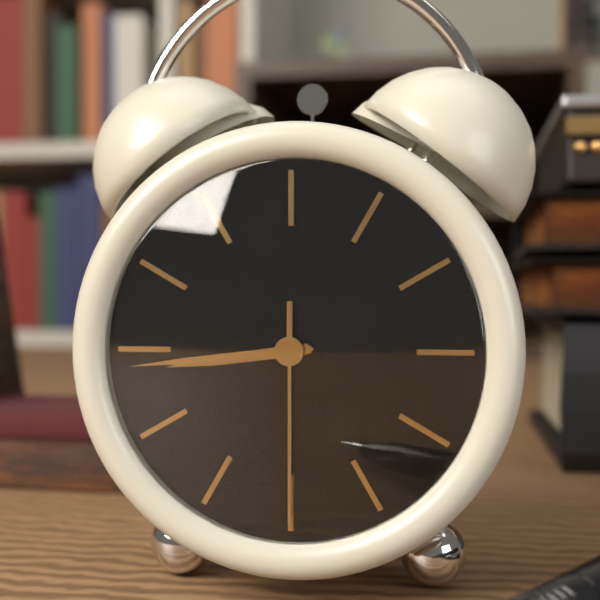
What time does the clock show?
8:44:30
